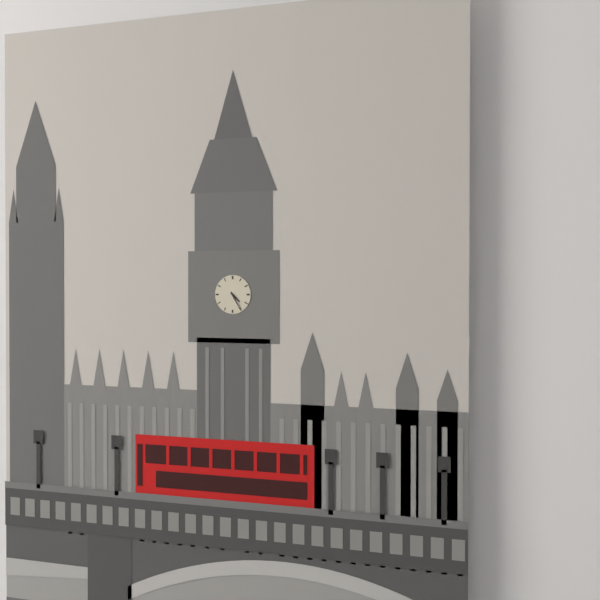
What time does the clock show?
4:25
